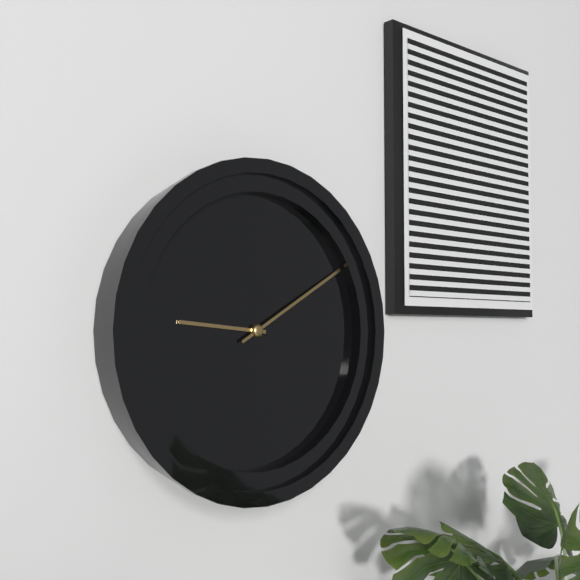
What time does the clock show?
9:10
